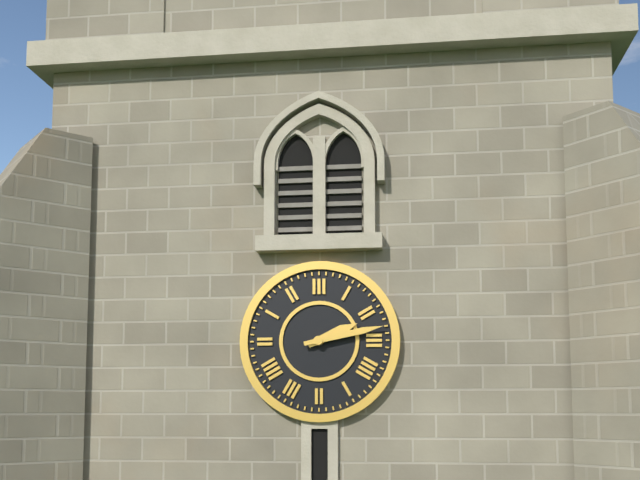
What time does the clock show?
2:13
